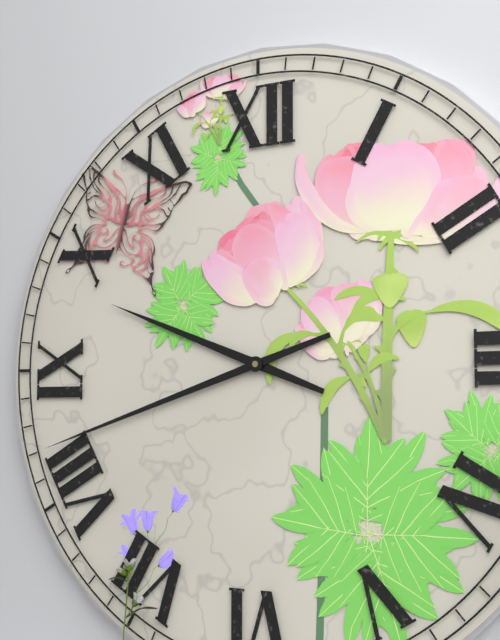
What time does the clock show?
9:42
